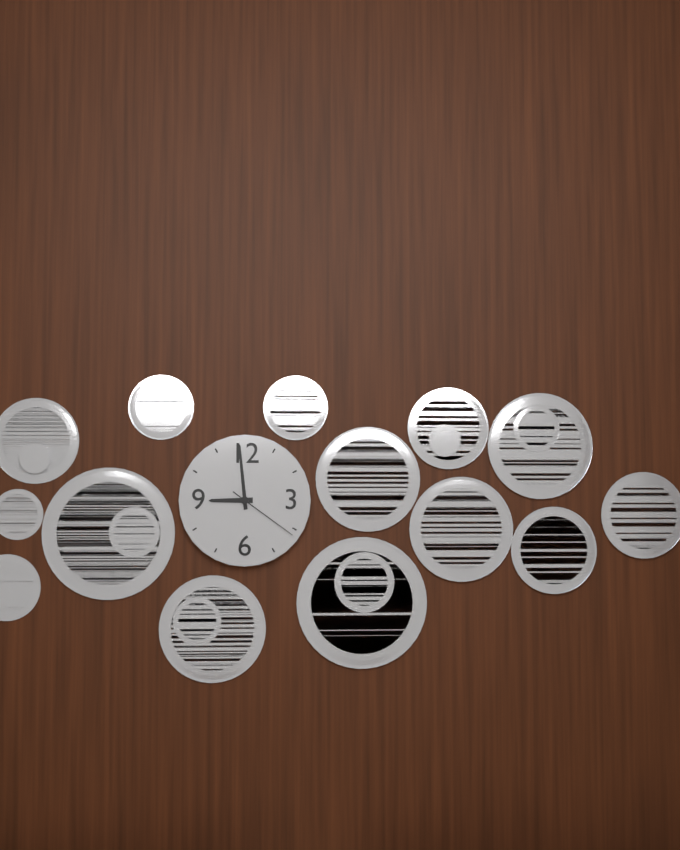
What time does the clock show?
8:59:21
